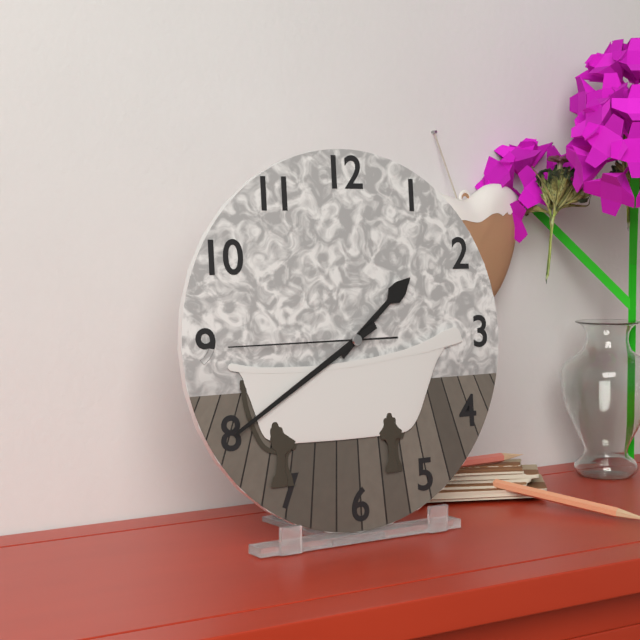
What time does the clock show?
1:40:45
